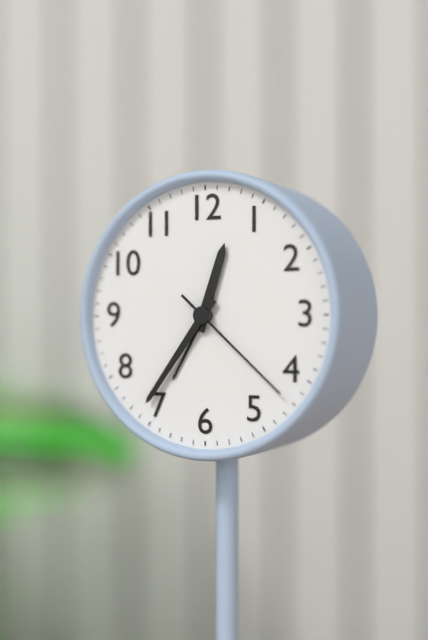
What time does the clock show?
12:36:22
